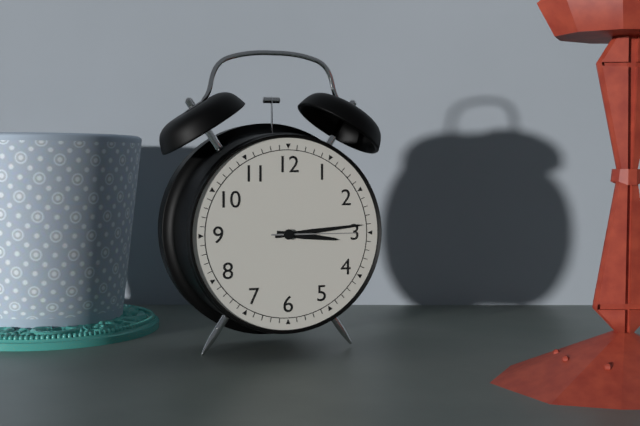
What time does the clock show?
3:14:15
